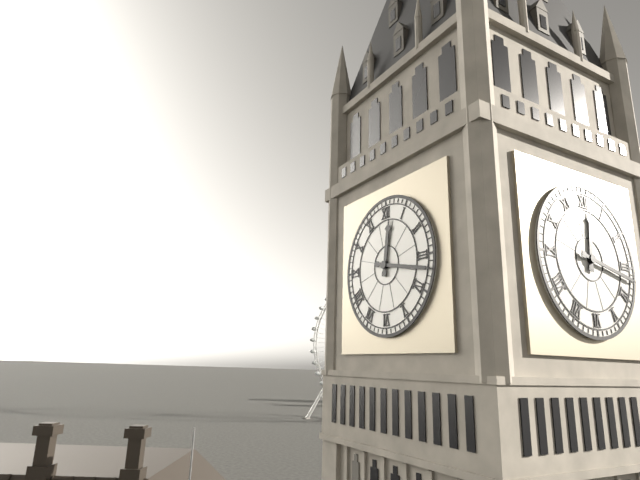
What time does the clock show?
12:17
